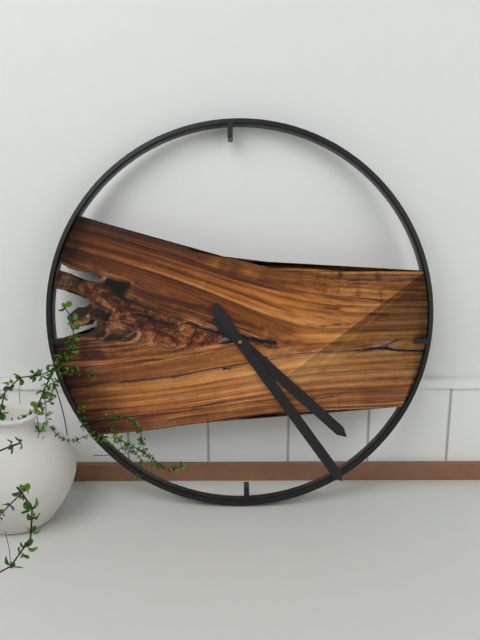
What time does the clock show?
4:24
